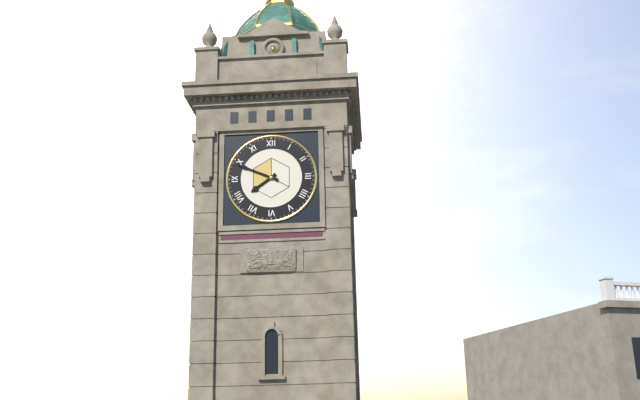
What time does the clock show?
7:49
